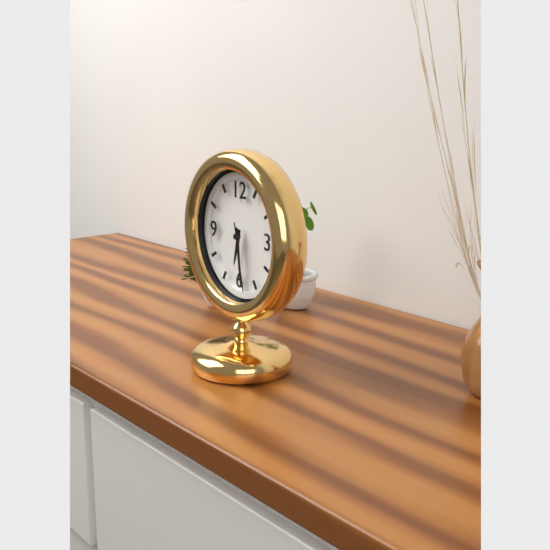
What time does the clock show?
6:29:28
